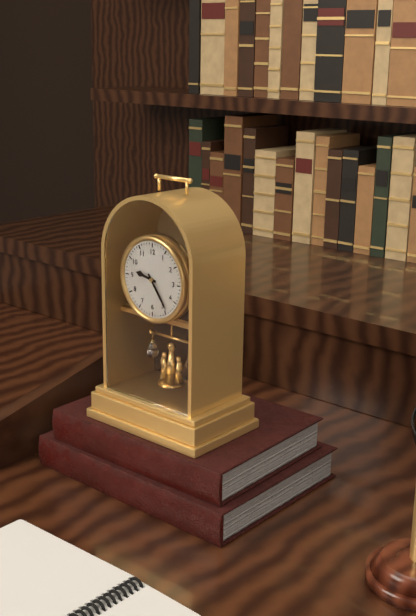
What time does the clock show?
9:24
